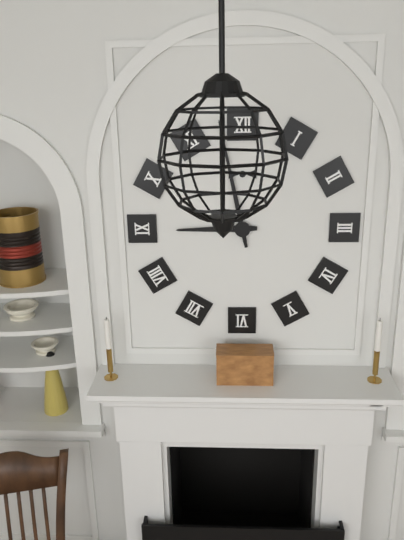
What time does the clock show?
8:58
